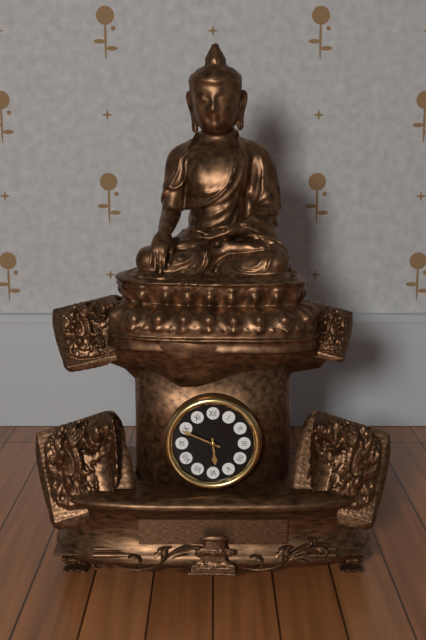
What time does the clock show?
5:49
